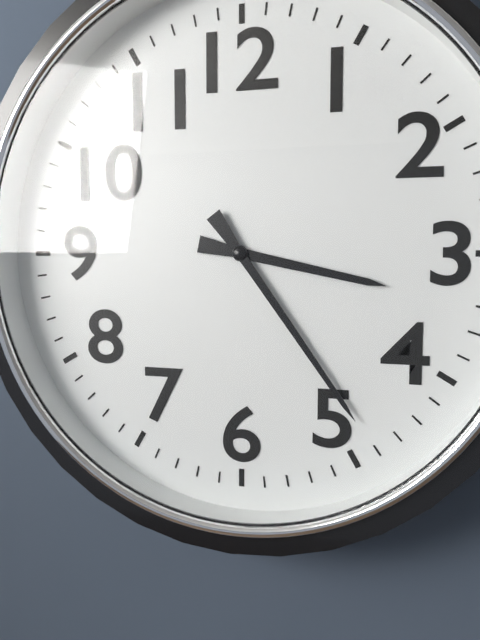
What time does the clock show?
3:24
